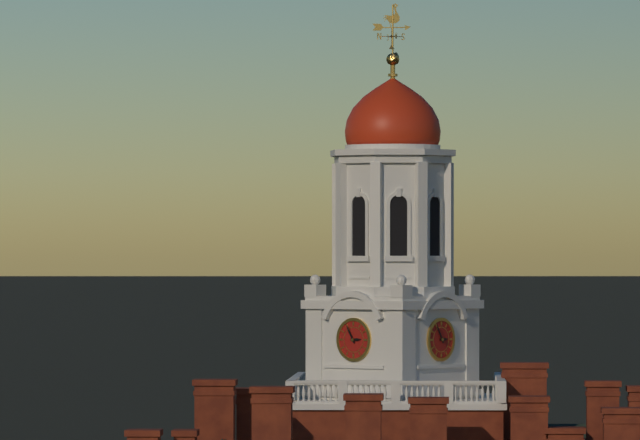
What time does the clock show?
2:55
